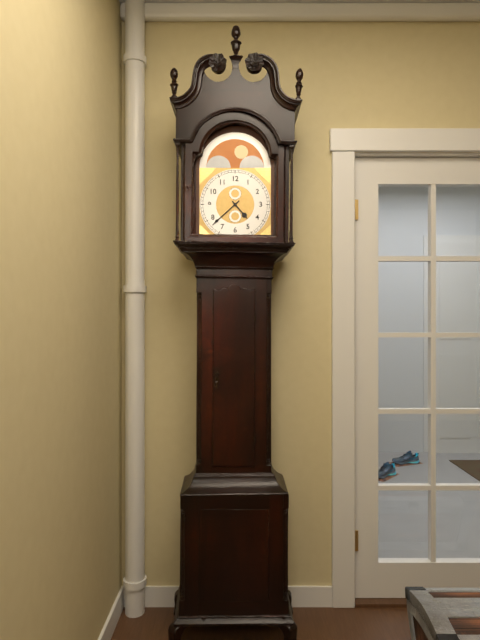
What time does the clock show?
4:38
